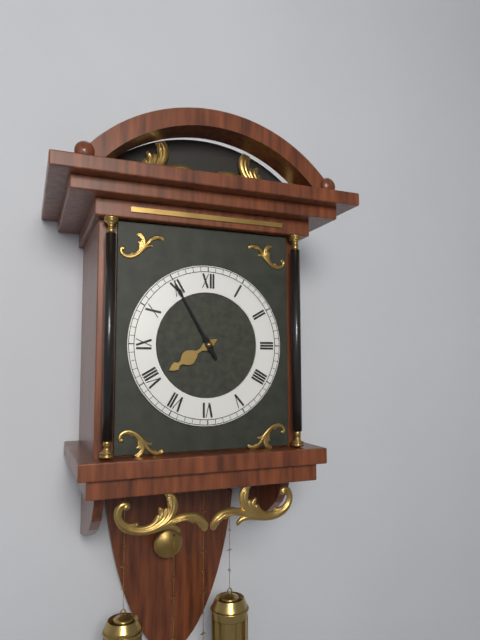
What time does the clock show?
7:55
